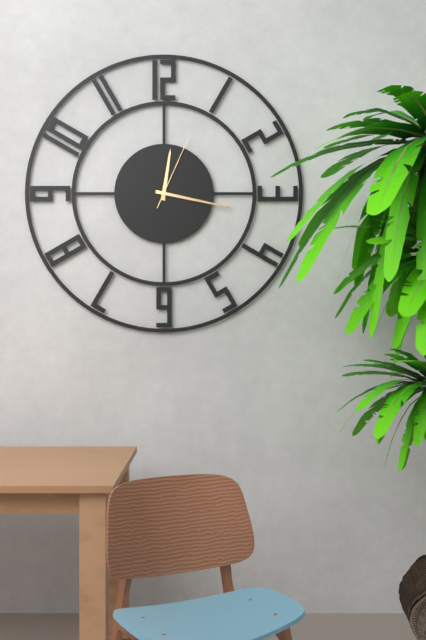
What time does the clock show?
12:17:04
